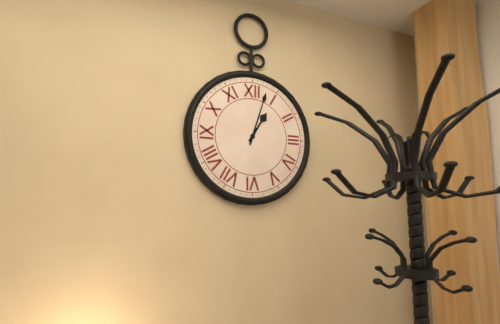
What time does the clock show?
1:03
